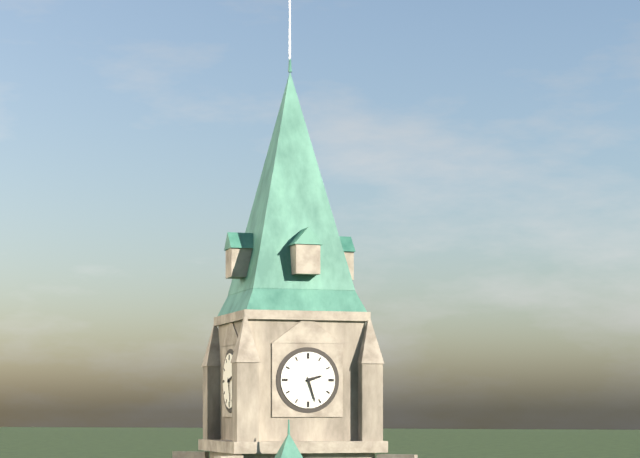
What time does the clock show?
2:27
